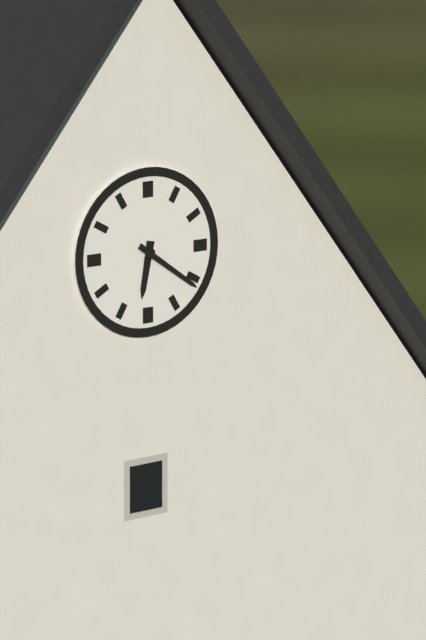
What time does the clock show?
6:21
